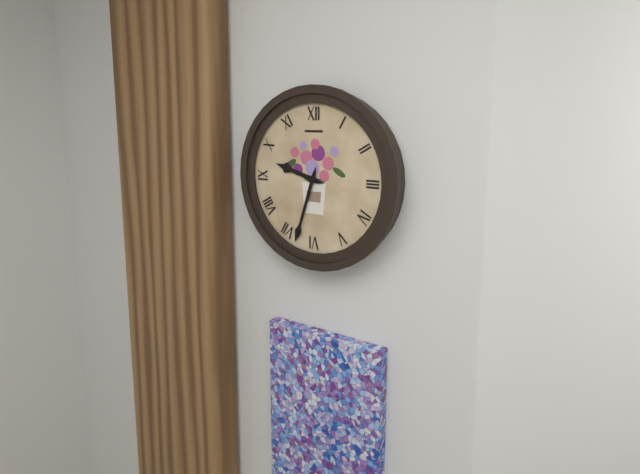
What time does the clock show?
9:33
